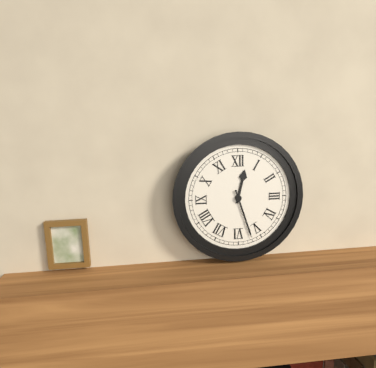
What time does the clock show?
12:27
